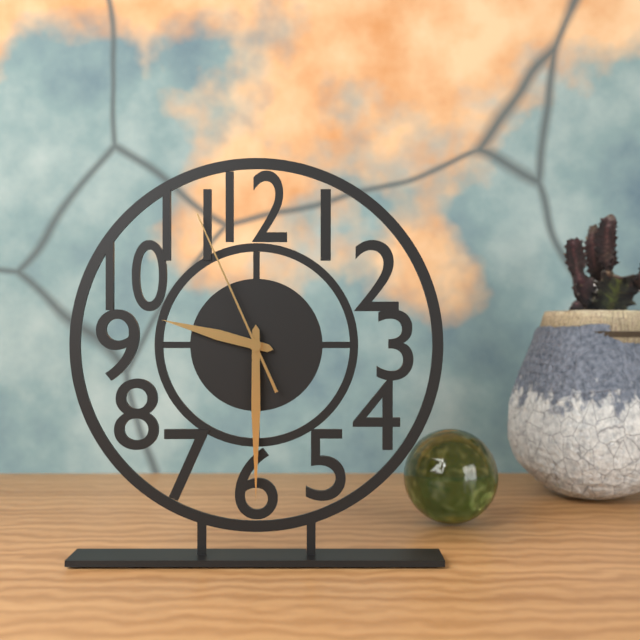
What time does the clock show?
9:30:56
